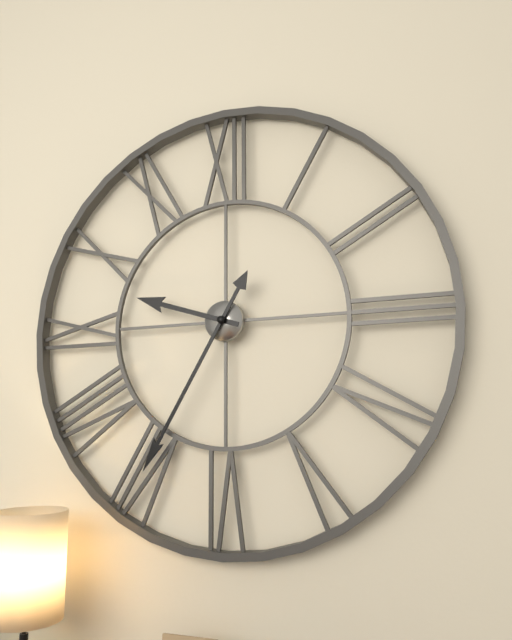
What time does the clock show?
9:35
